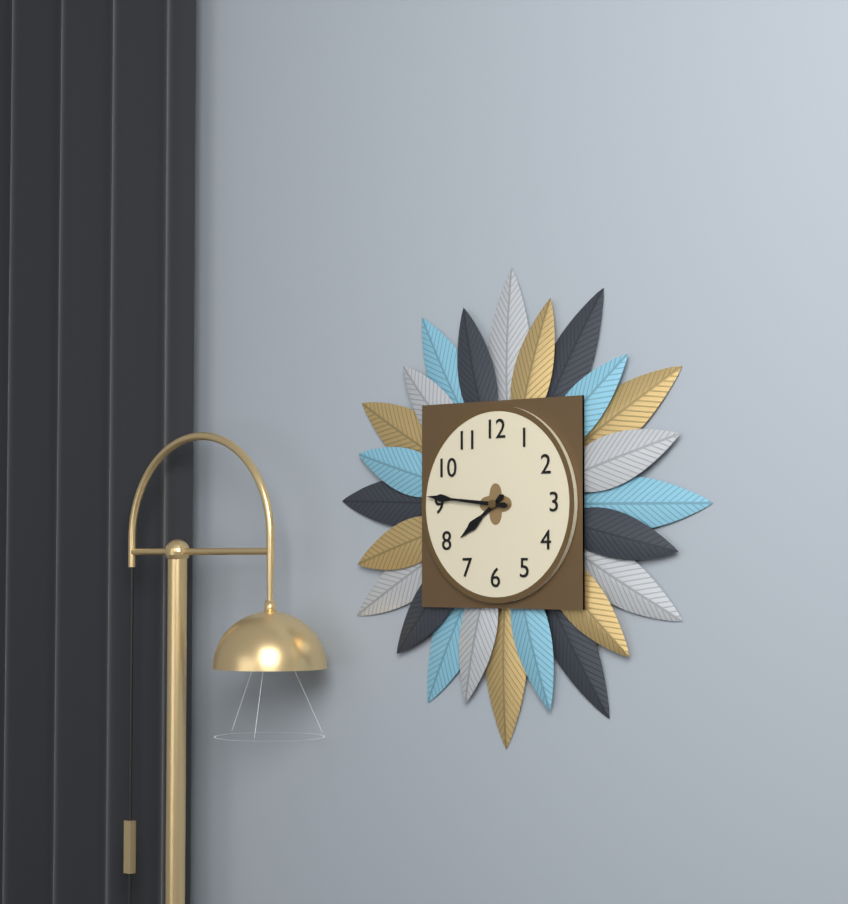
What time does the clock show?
7:46
